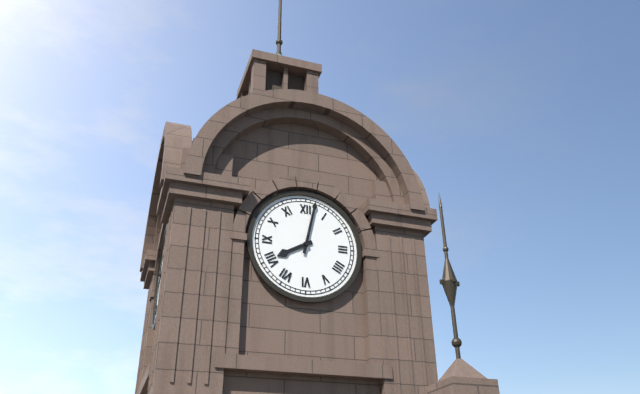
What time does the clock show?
8:02
